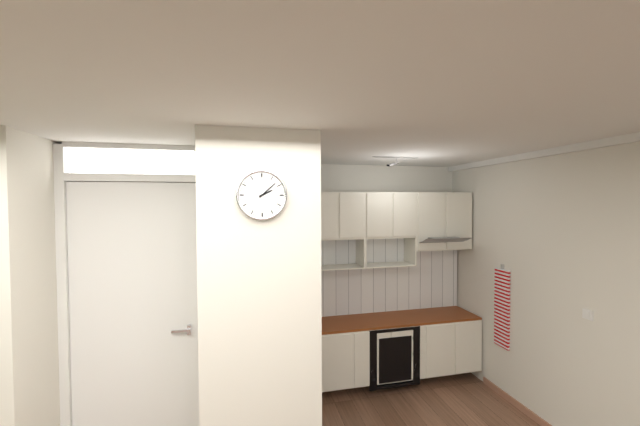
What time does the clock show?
2:08
